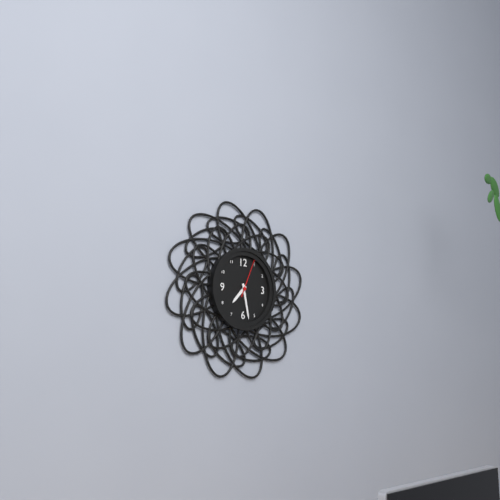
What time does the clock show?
7:28
